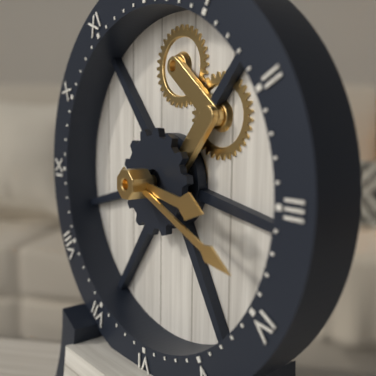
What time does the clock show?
3:19
